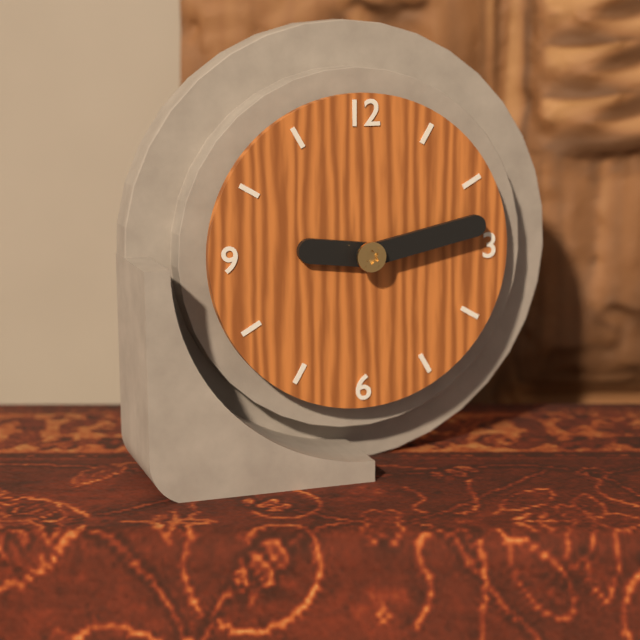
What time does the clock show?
9:13
